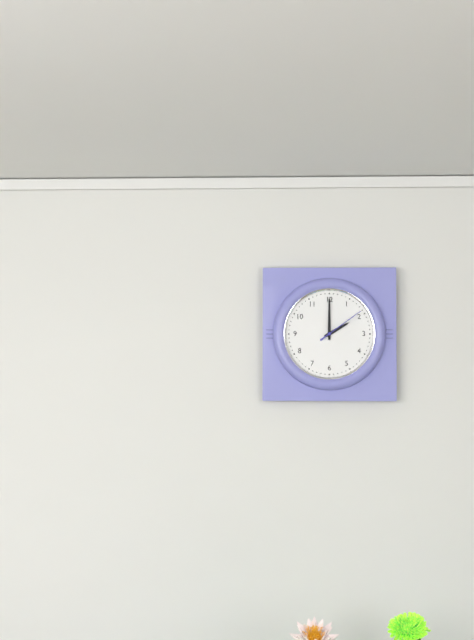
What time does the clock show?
2:00
